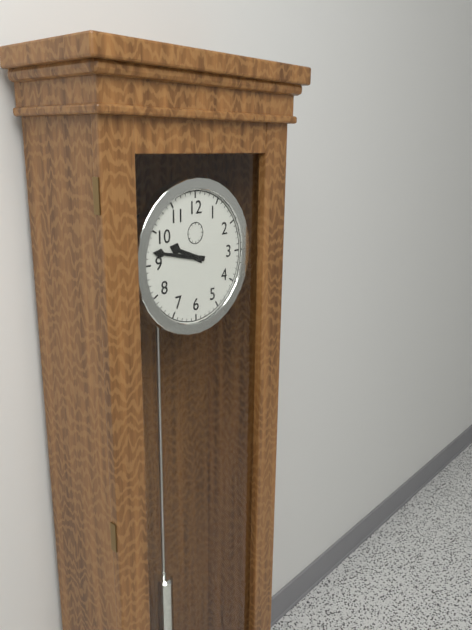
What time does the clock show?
9:47
